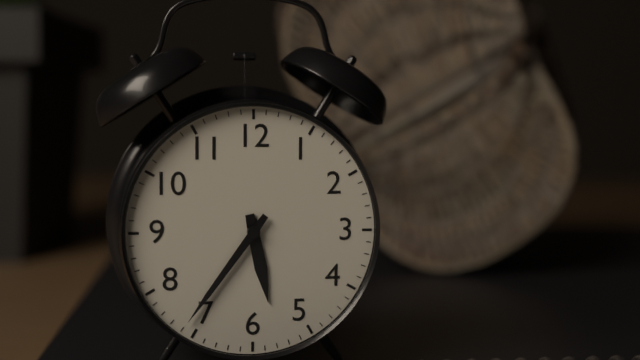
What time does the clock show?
5:36
